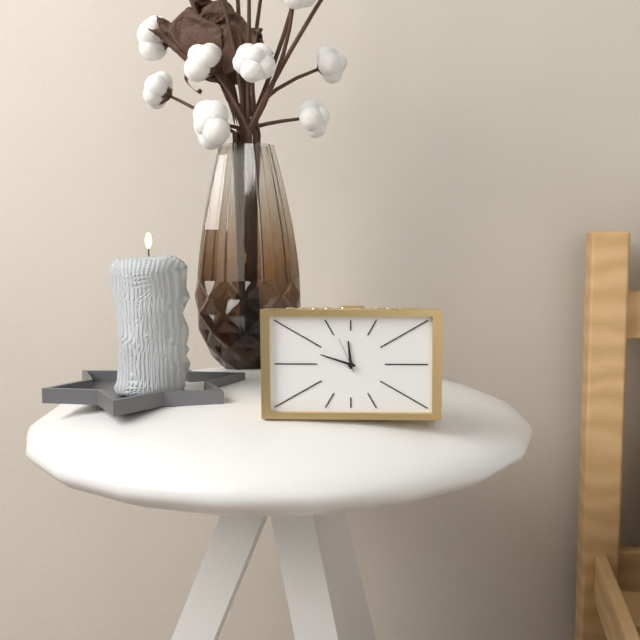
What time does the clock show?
11:48
